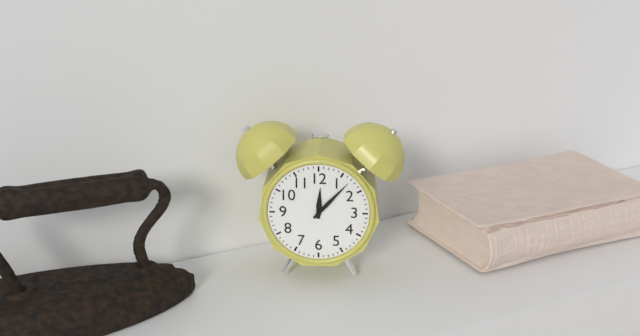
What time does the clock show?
12:07
